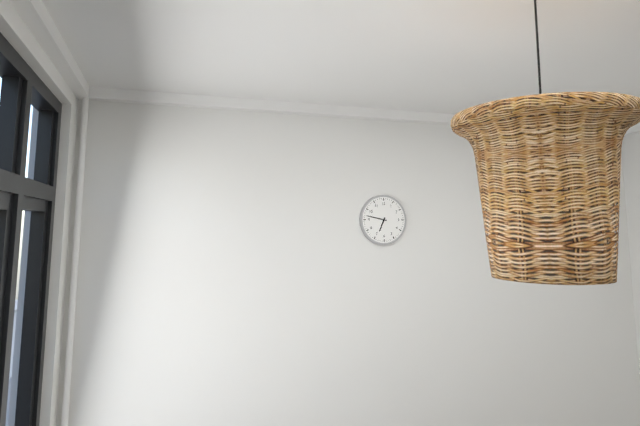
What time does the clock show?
6:47
